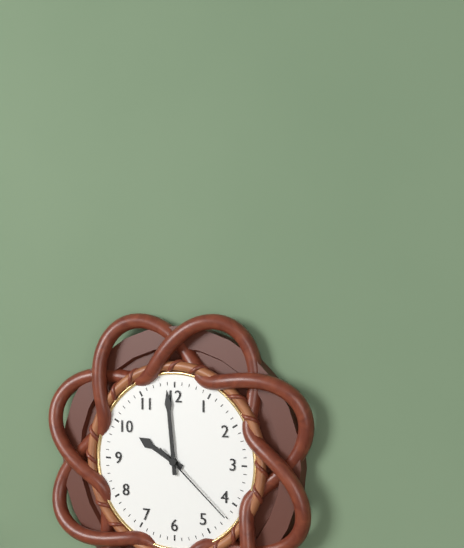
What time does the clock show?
9:59:22
